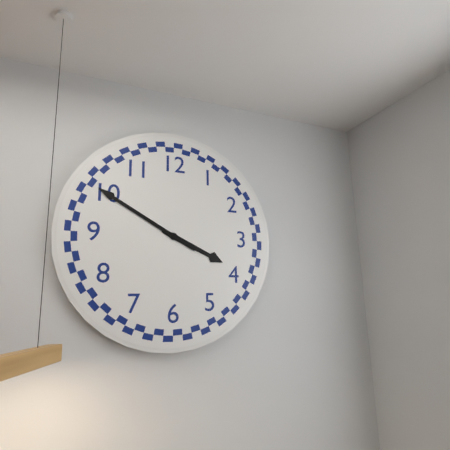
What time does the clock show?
3:50
